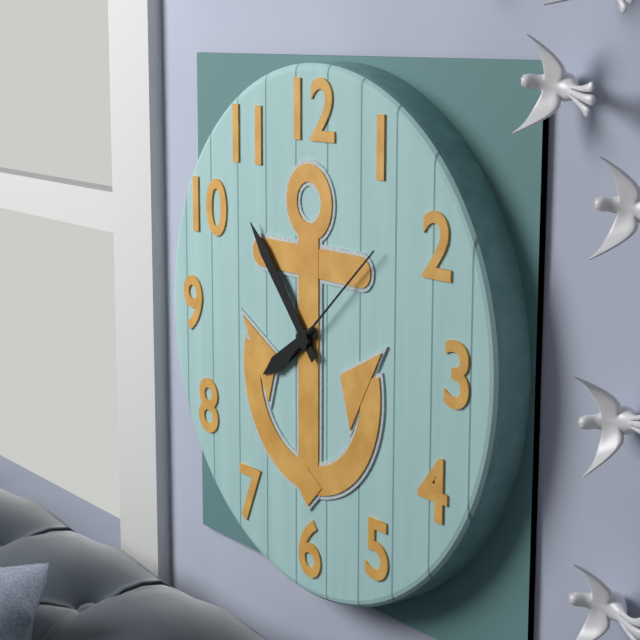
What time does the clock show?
7:53:08
